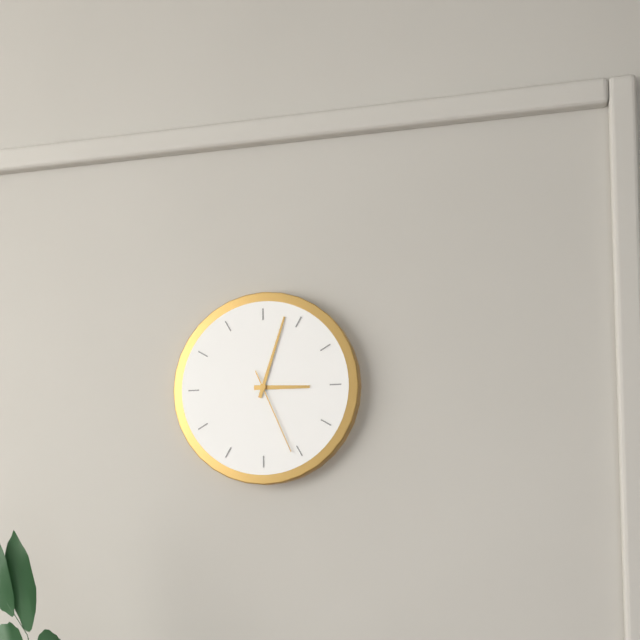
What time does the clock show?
3:03:26
